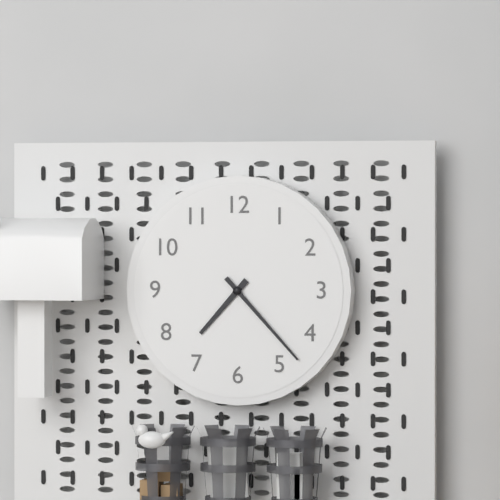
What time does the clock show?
7:23
